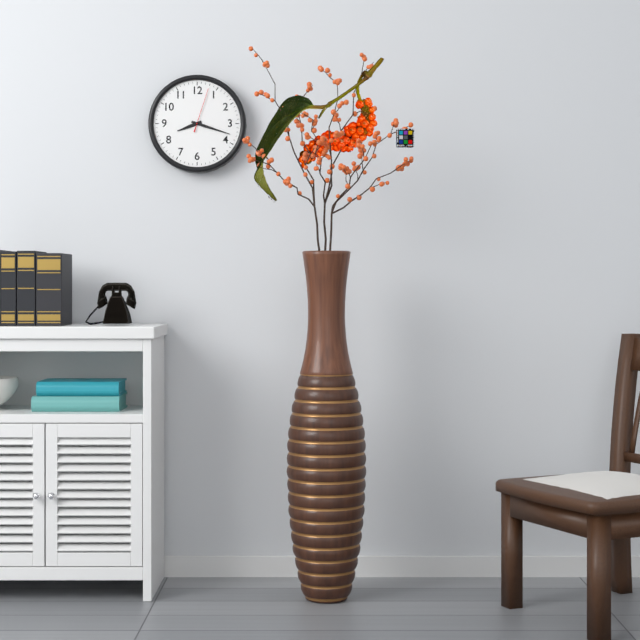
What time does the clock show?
8:18
